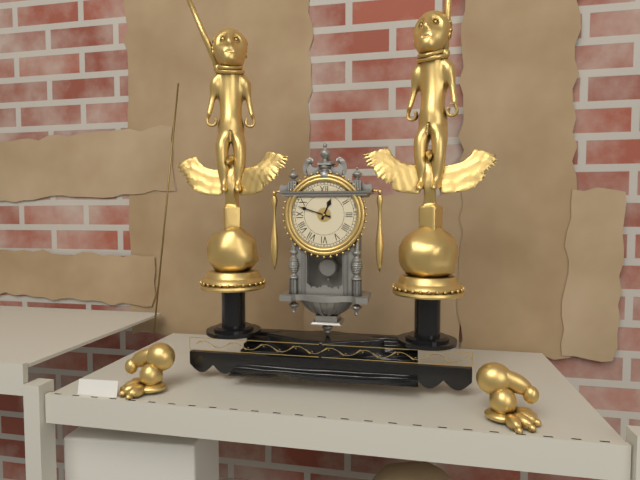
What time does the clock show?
12:48
